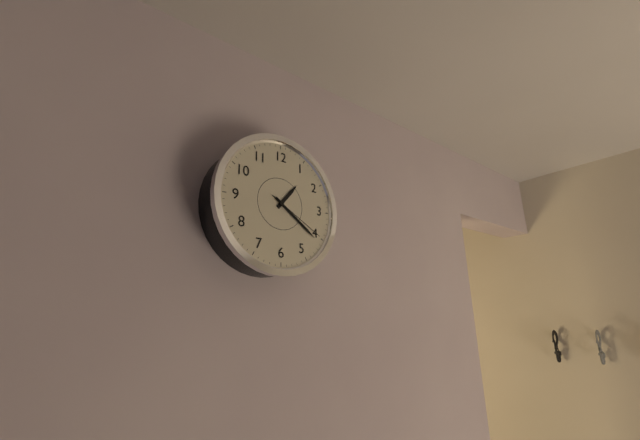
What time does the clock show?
1:21:20
